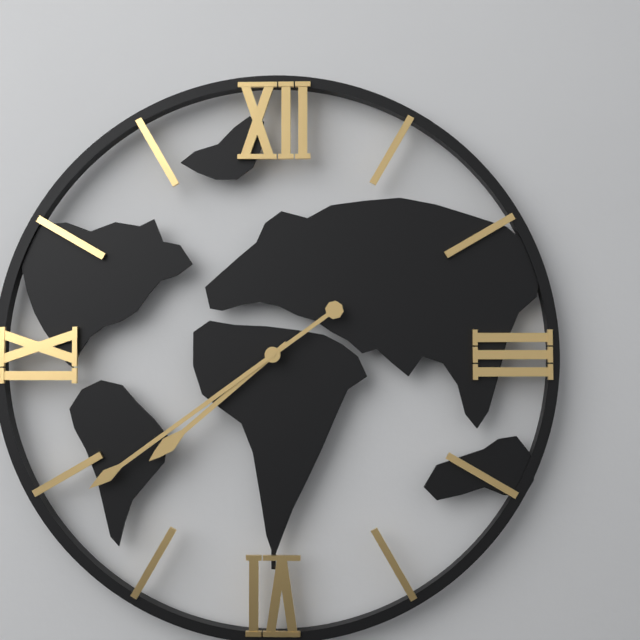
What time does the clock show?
7:39
